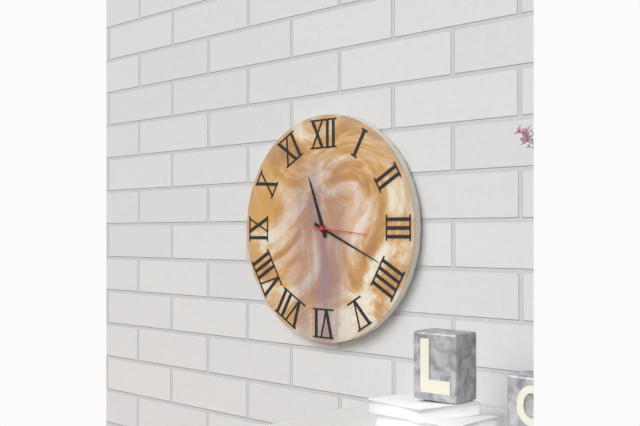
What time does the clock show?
11:19:16
